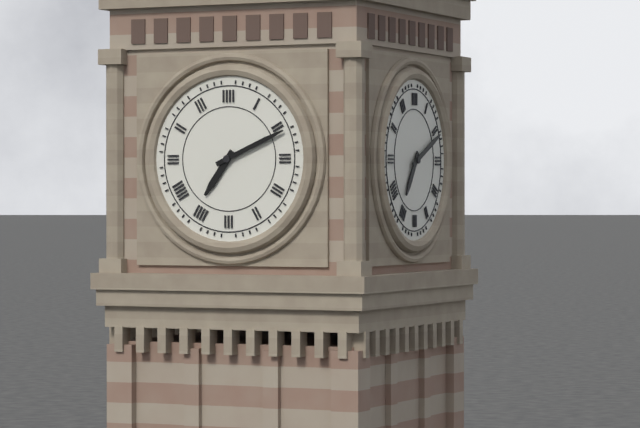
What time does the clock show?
7:11
